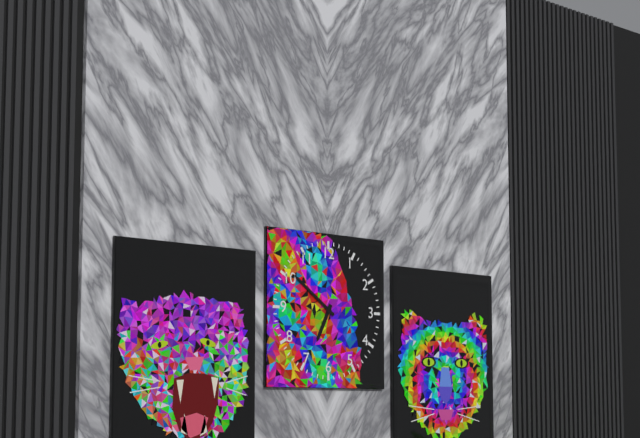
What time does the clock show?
6:51
